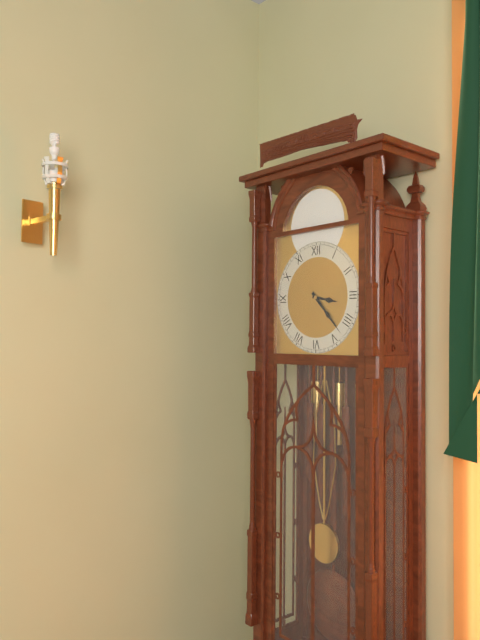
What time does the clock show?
3:23
